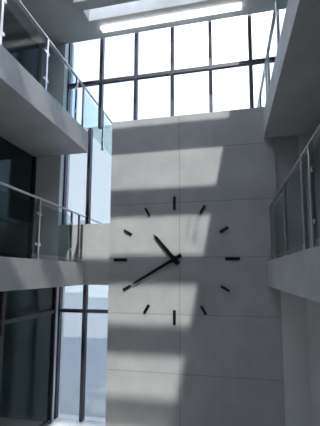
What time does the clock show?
10:40
